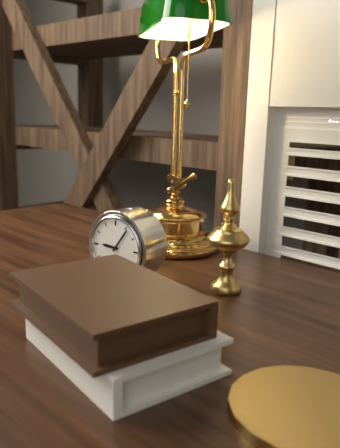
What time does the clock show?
9:06
